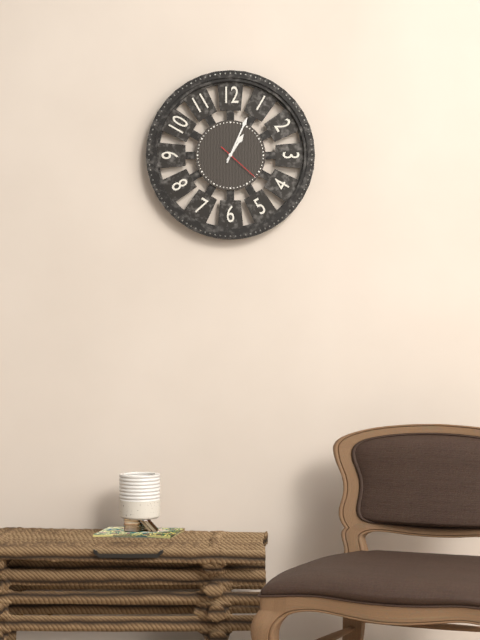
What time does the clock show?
1:04
